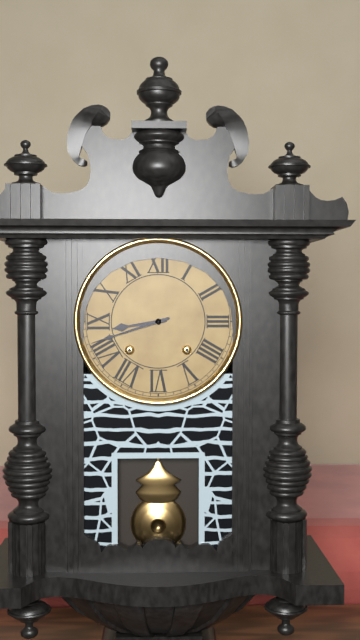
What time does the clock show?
8:42
